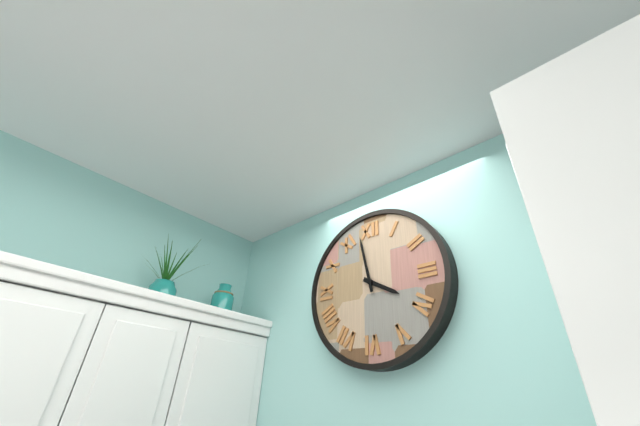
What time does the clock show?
3:58
